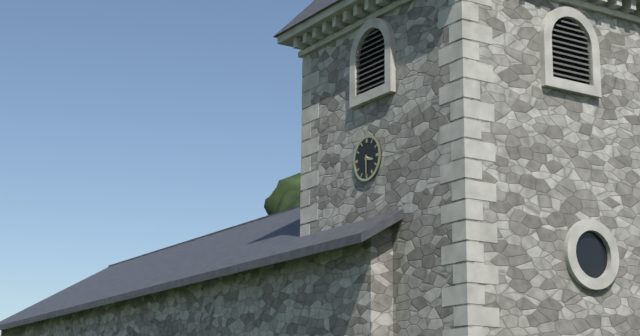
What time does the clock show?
3:30
